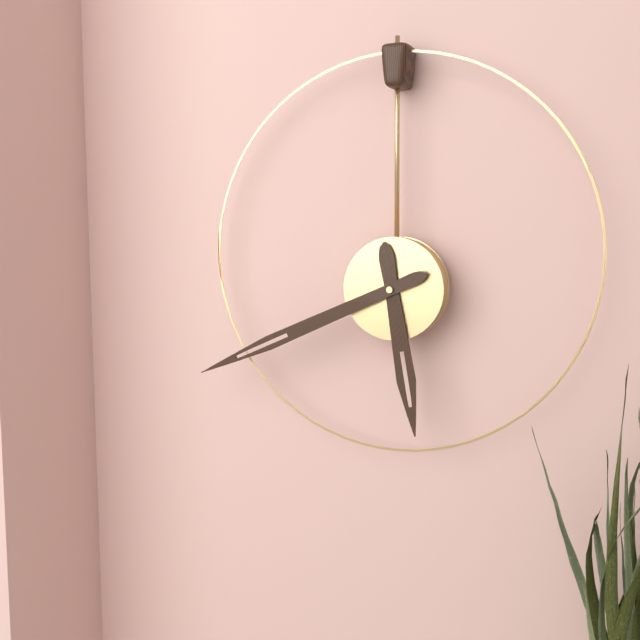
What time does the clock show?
5:41
